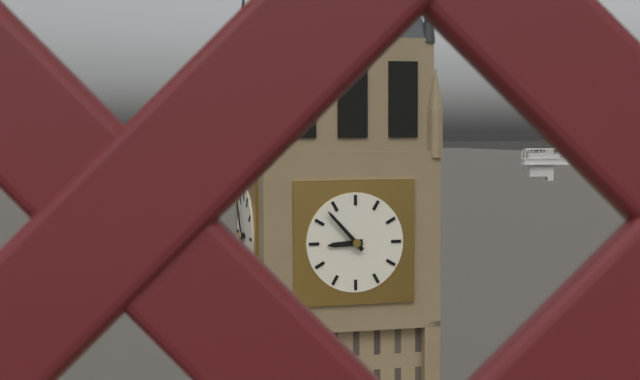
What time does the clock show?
8:53
